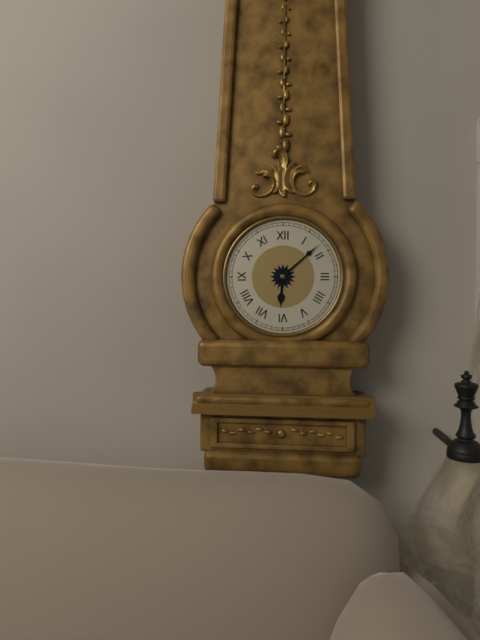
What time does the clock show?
6:08
